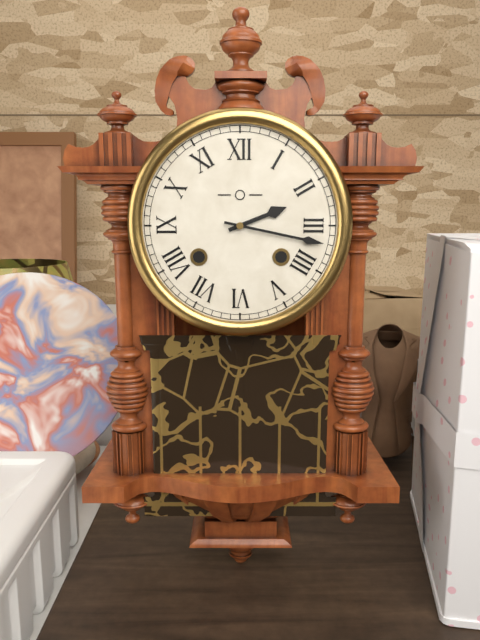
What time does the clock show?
2:17
